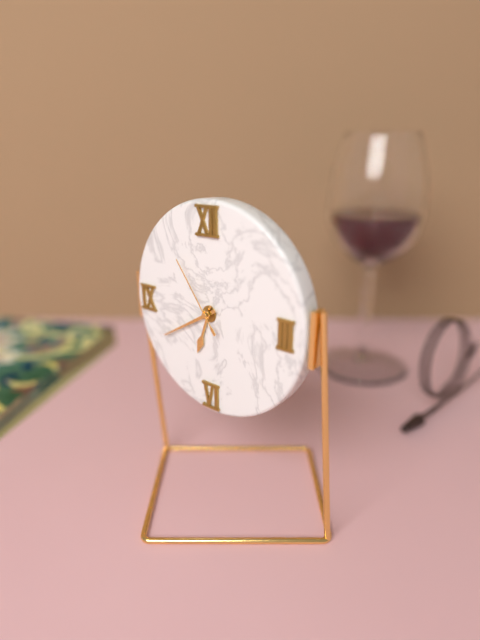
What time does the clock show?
6:40:54
